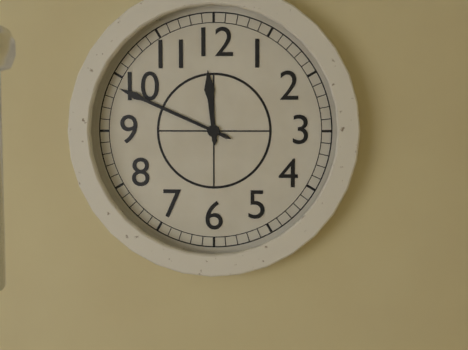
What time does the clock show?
11:49
